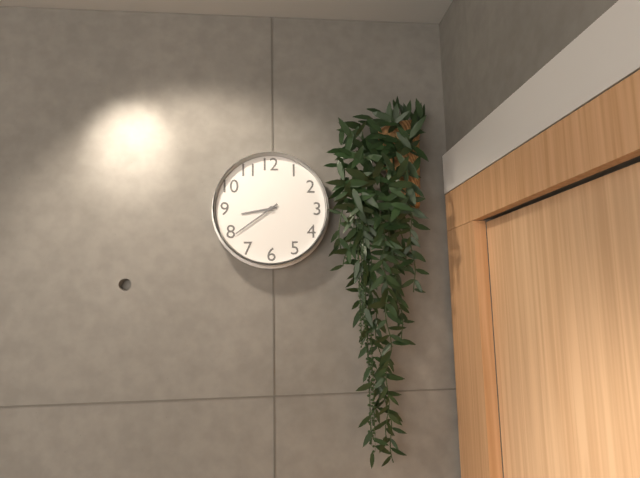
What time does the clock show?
8:39
